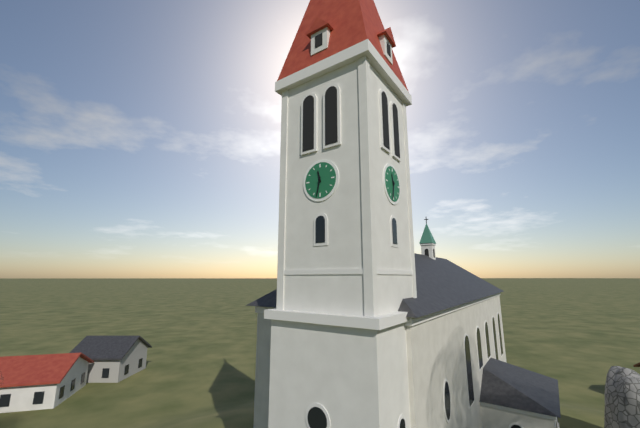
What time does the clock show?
11:32
